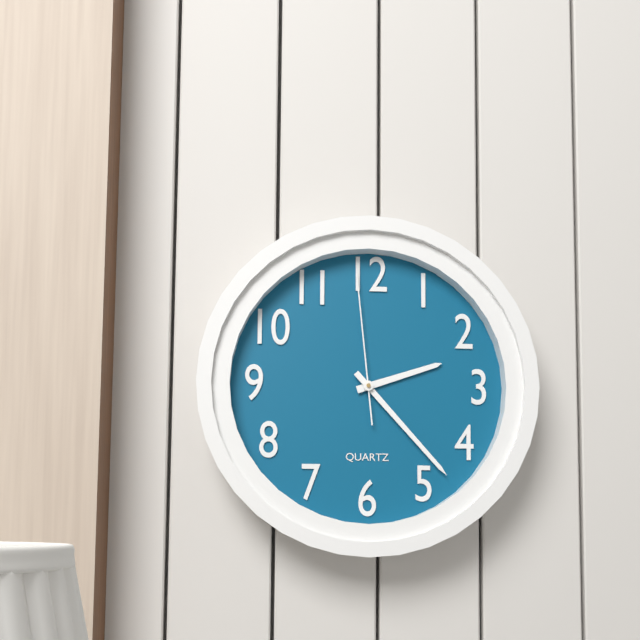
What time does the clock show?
2:23:59
